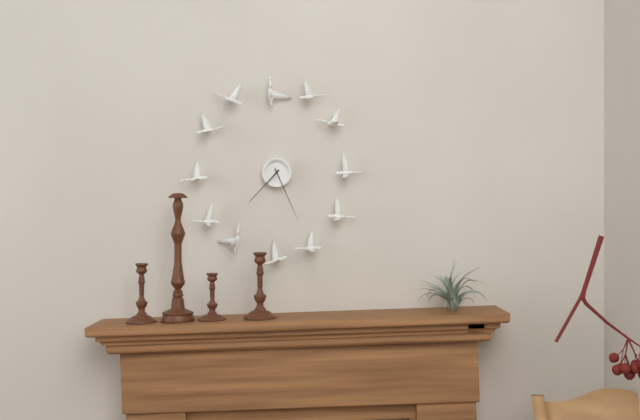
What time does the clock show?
7:26
